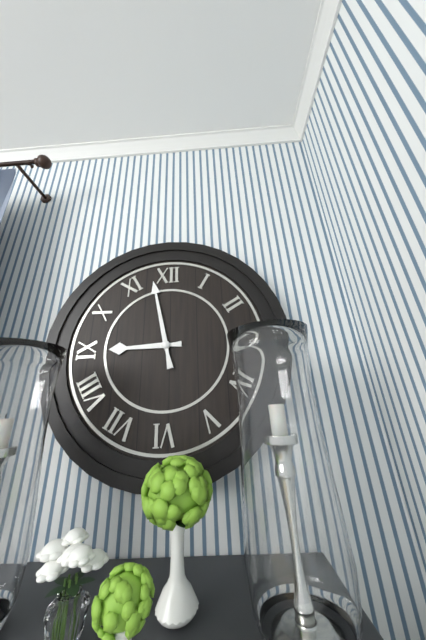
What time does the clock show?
8:58
